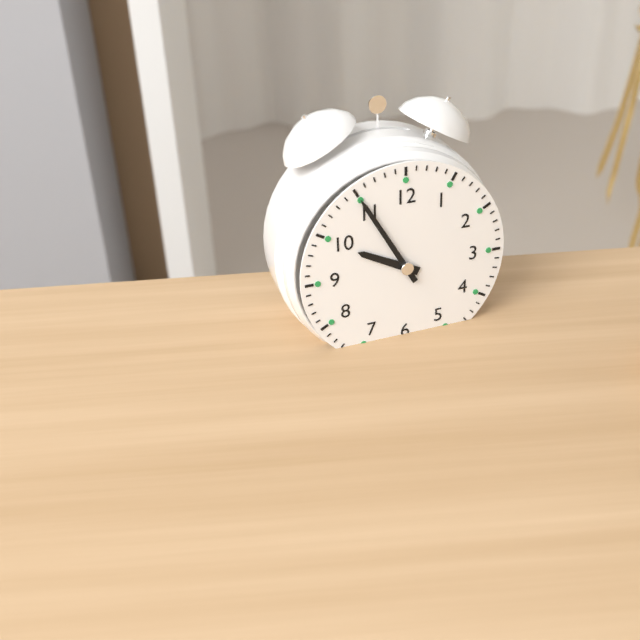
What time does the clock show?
9:55
